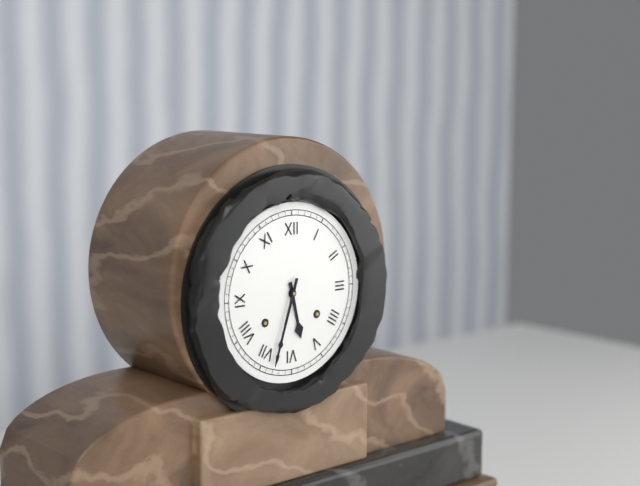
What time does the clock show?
5:33
